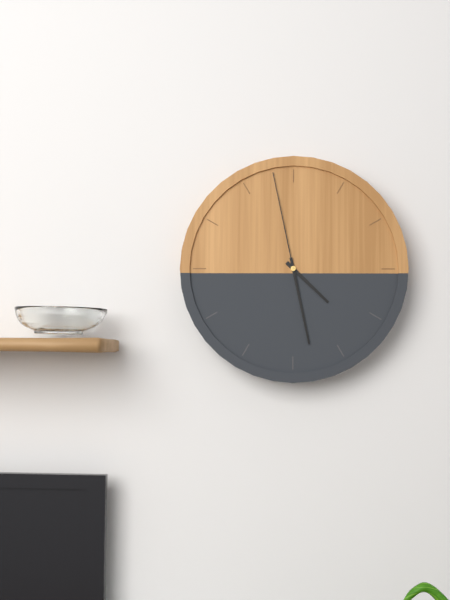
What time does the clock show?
4:28:58
